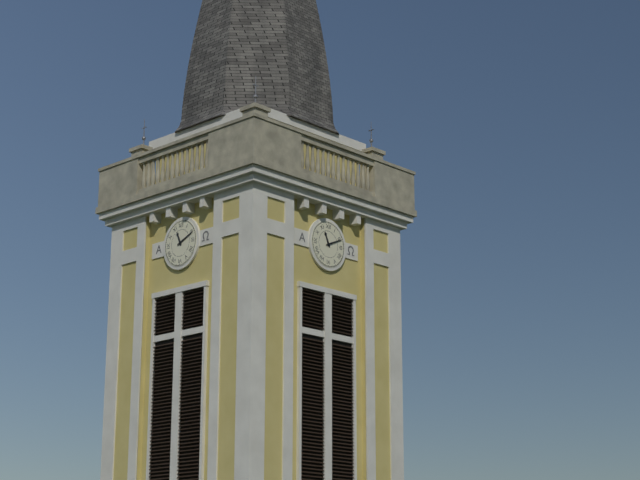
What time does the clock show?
11:11
